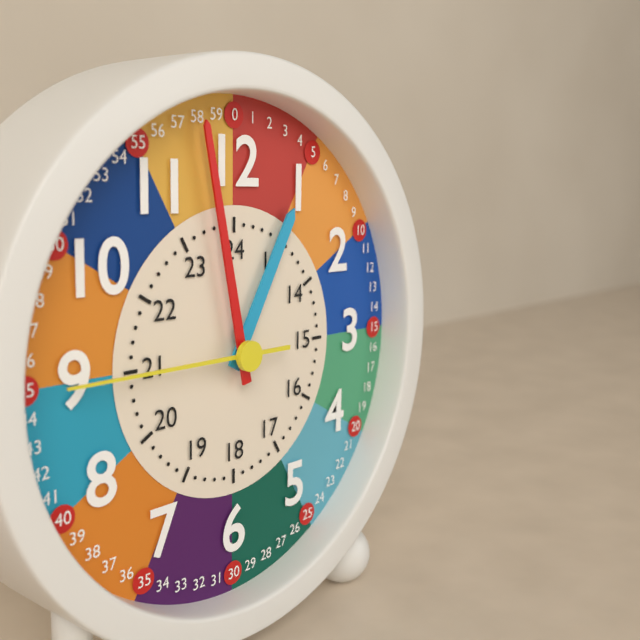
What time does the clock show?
12:58:45
